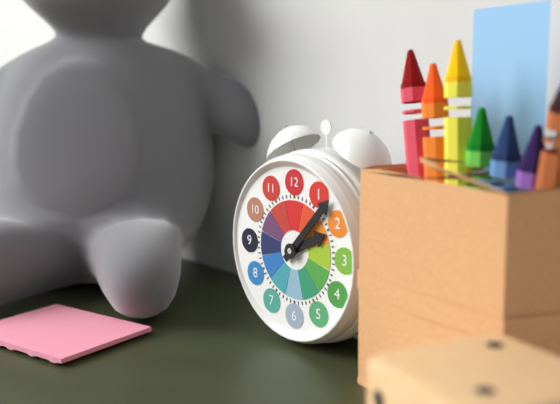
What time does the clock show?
2:07
